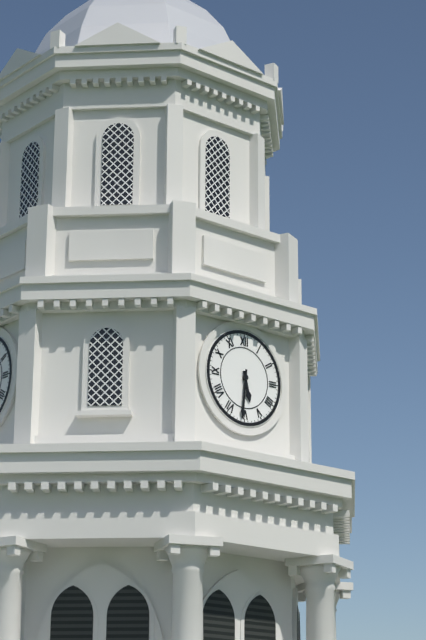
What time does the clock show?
5:31
